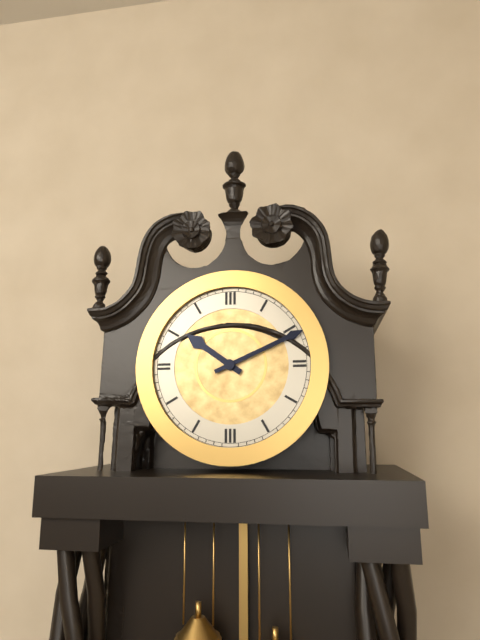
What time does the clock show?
10:11
